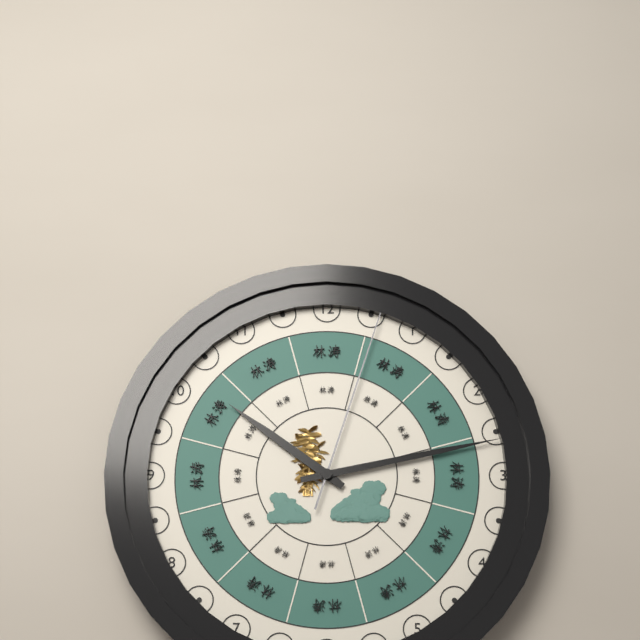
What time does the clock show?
10:13:03
